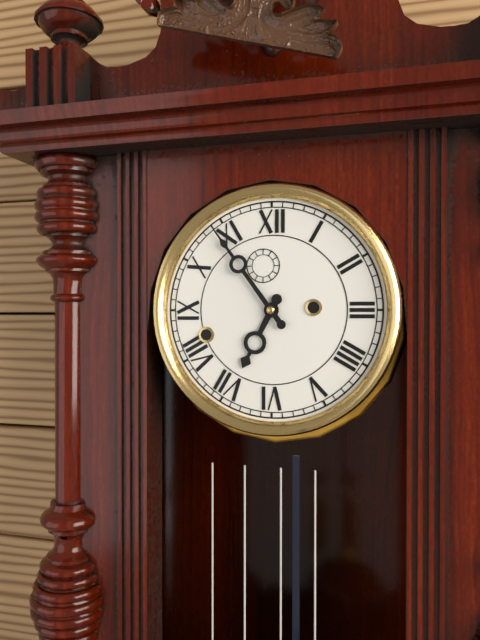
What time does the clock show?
6:54
